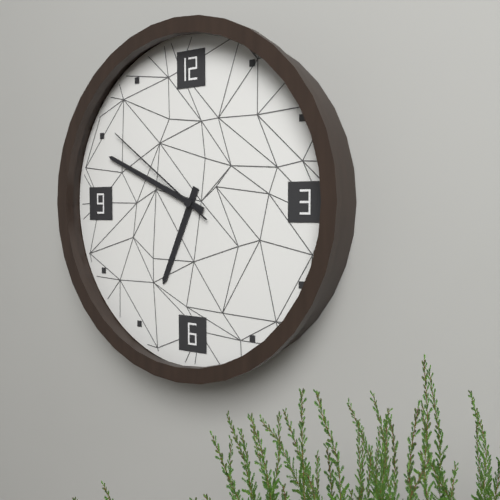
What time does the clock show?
6:49:51
